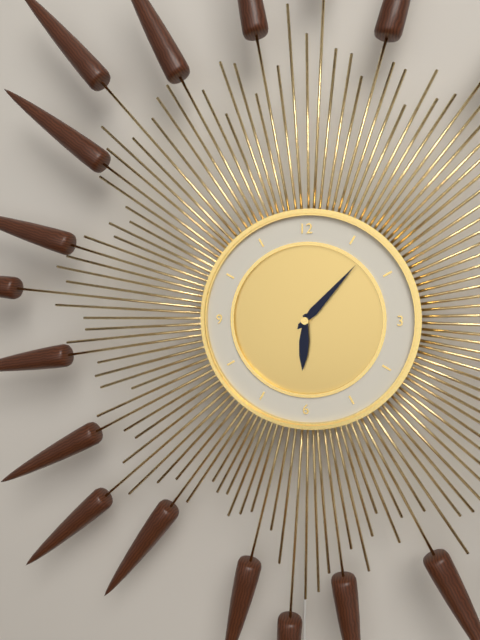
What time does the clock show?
6:07
